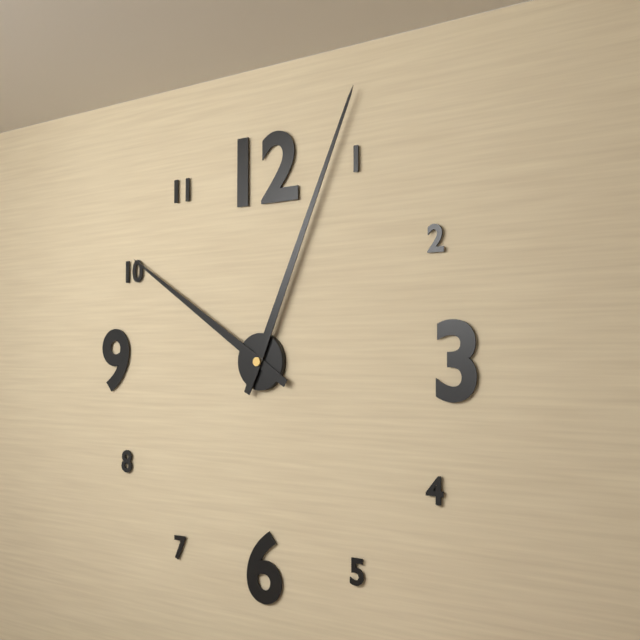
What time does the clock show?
10:04
